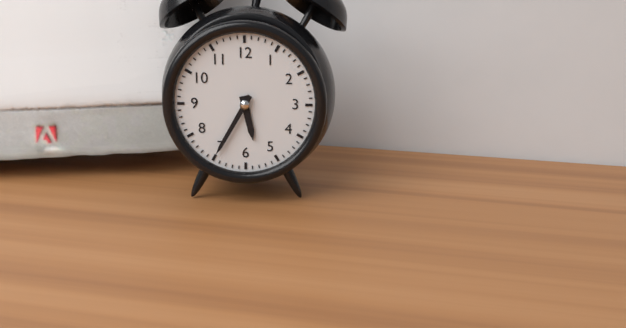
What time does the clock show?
5:35
